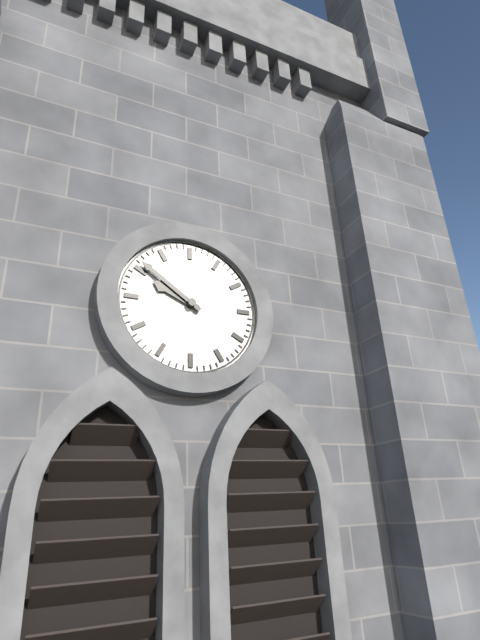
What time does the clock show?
9:51
